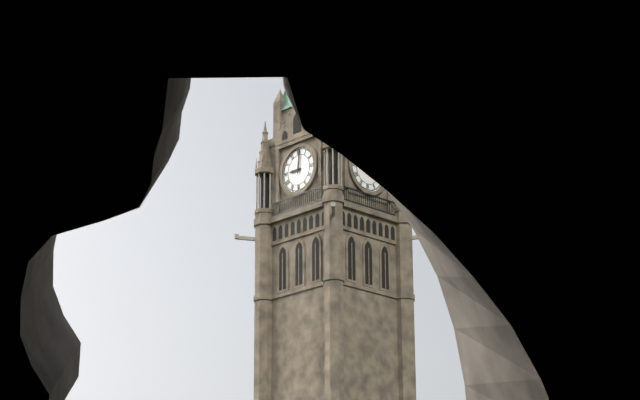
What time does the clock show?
9:01
